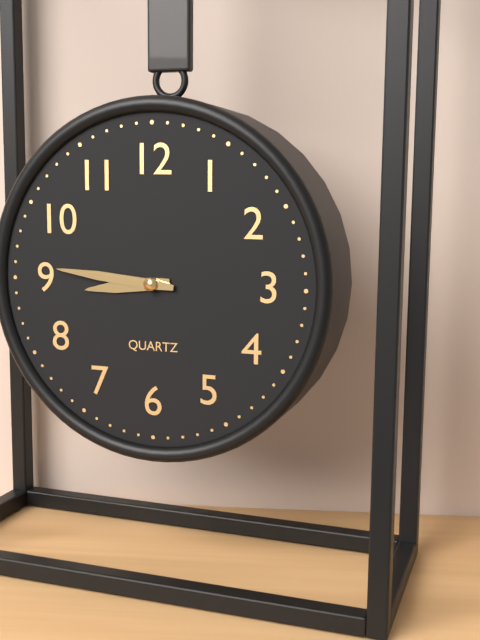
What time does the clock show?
8:46
